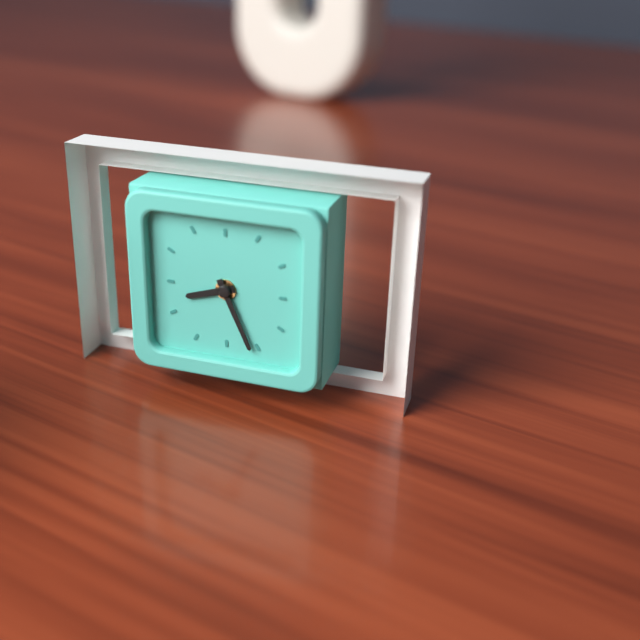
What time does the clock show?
8:26
